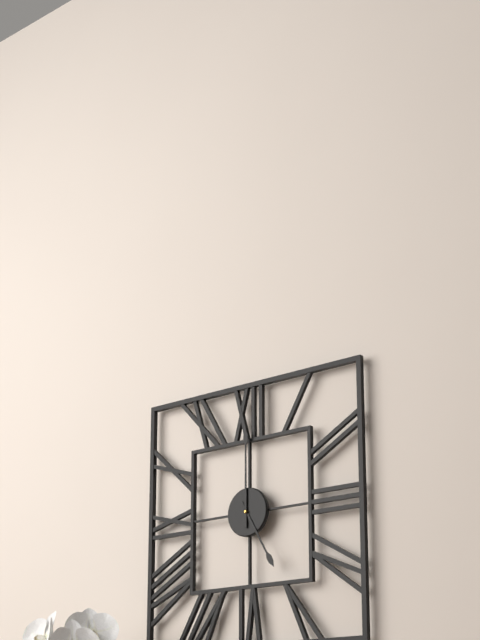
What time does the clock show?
5:00
